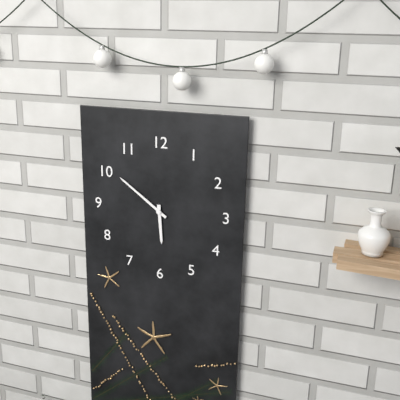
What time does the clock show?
5:51
